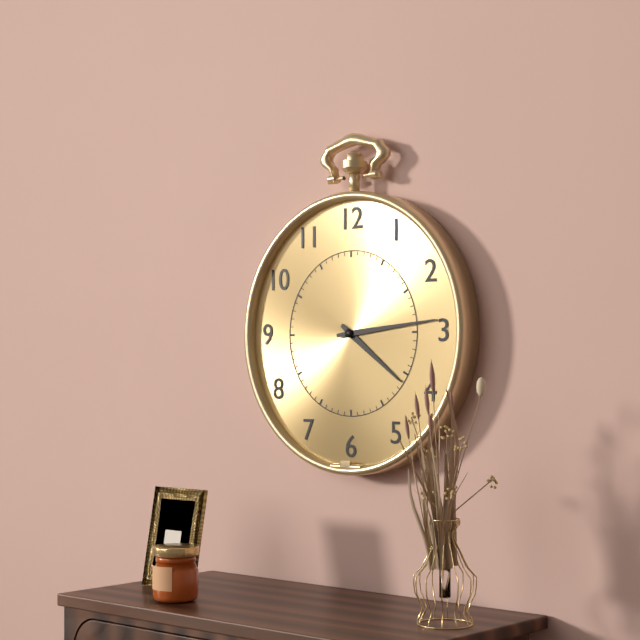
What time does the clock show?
4:14
